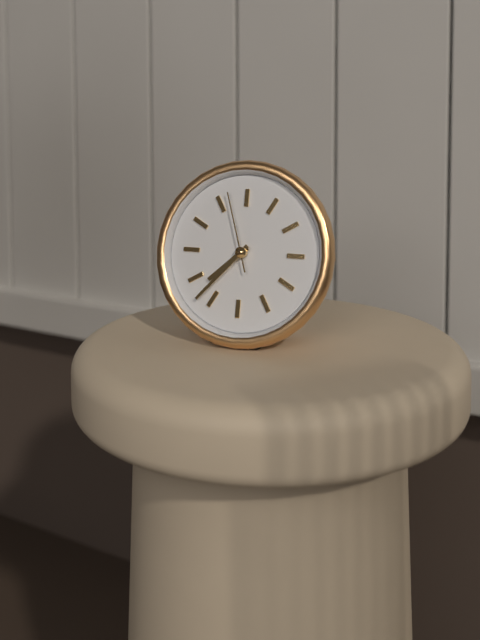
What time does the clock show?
7:37:57
